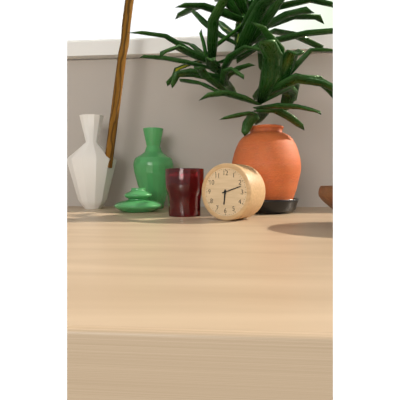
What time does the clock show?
6:12
